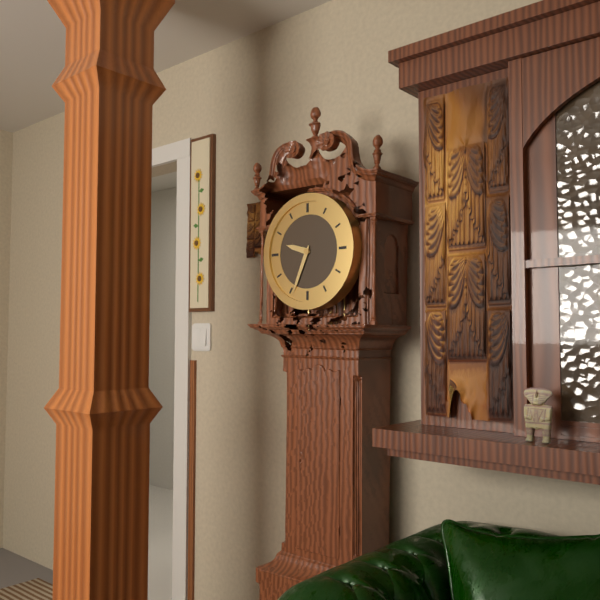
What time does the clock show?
9:34
